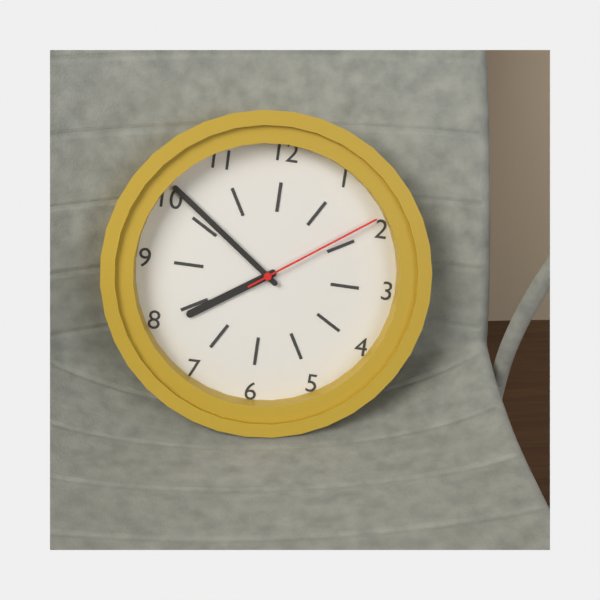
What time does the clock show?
7:51:09
